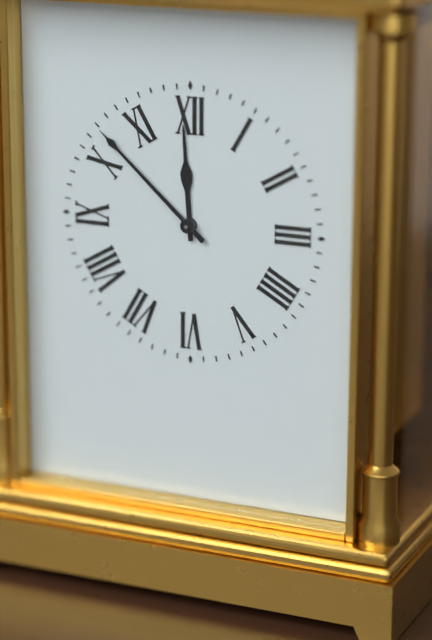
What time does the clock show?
11:52
